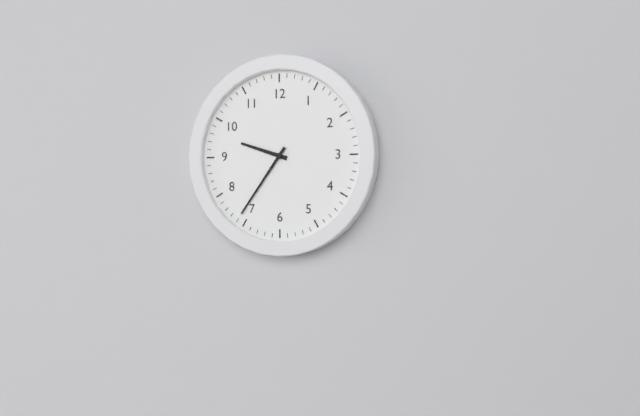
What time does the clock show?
9:36
